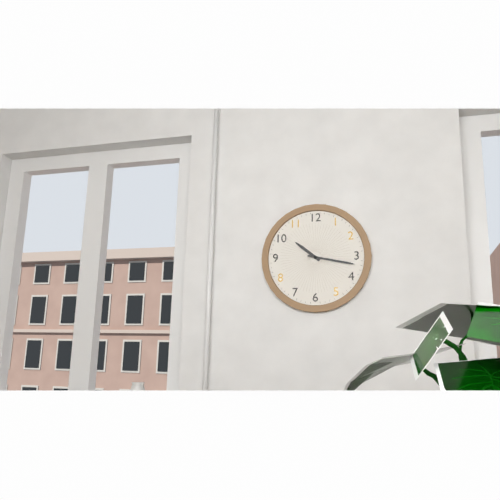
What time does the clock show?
10:17
